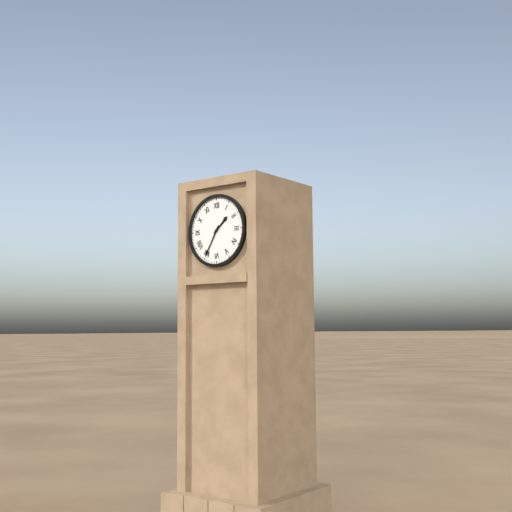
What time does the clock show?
1:35
